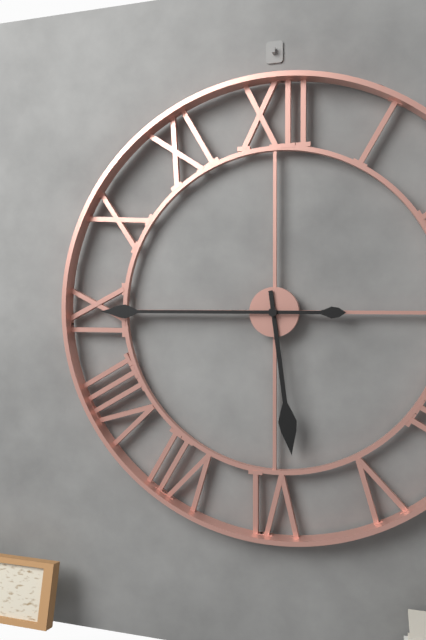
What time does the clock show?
5:45
